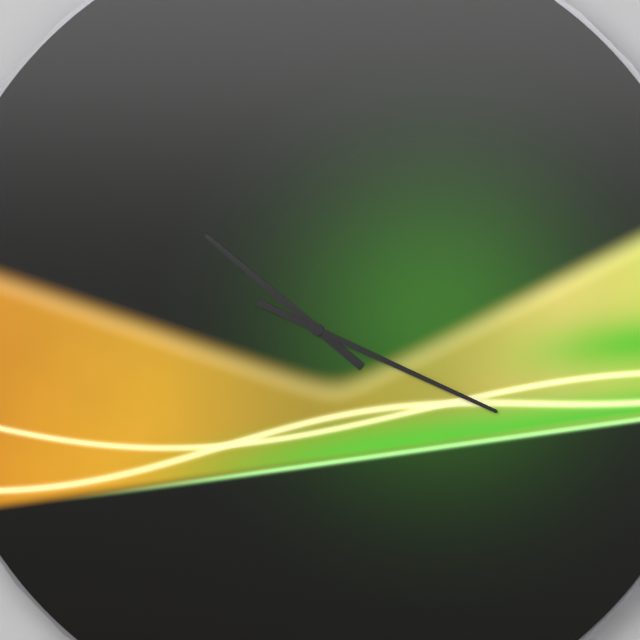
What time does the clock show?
10:19
